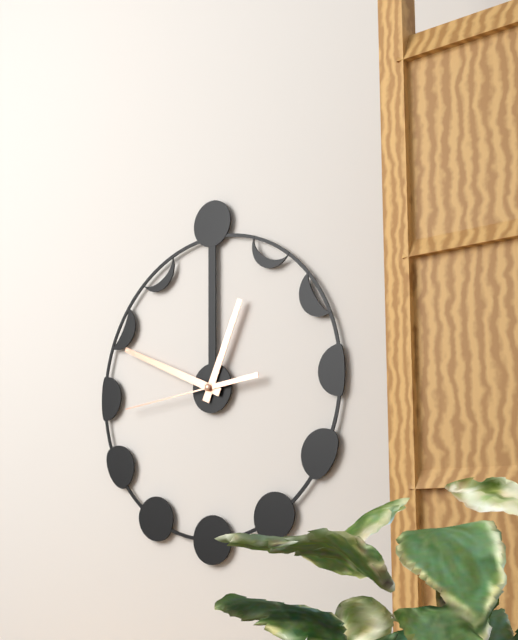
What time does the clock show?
12:49:44
